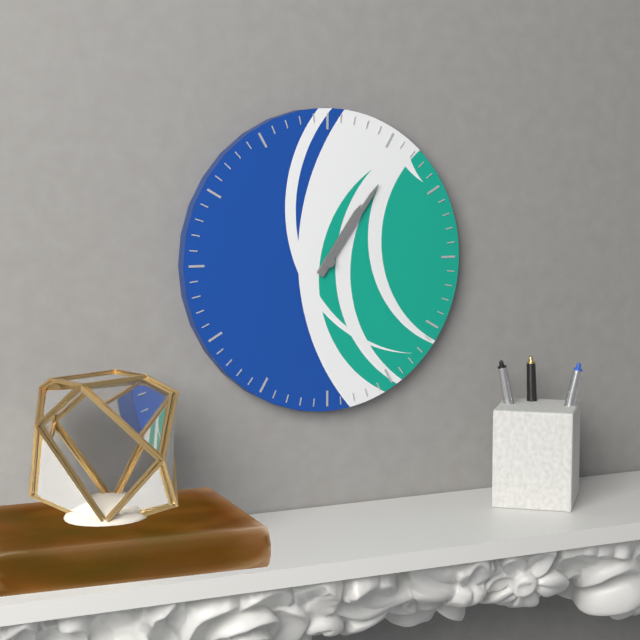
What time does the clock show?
1:06
